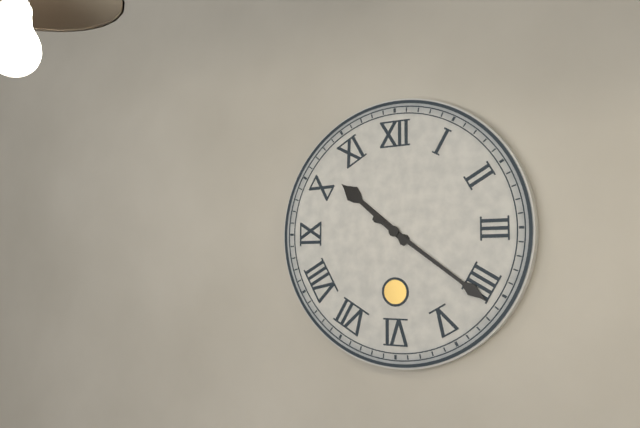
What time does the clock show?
10:21
